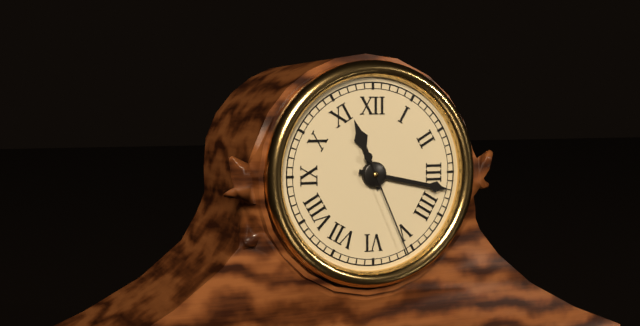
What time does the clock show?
11:17:26
